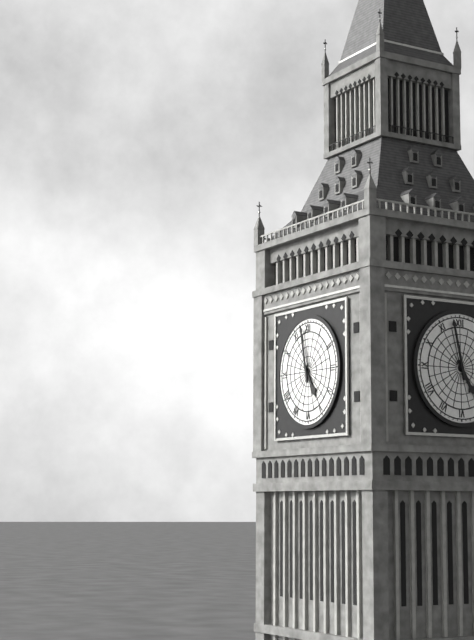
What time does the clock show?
4:58
